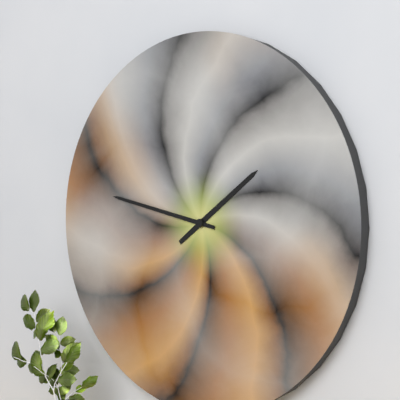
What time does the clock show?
1:47
